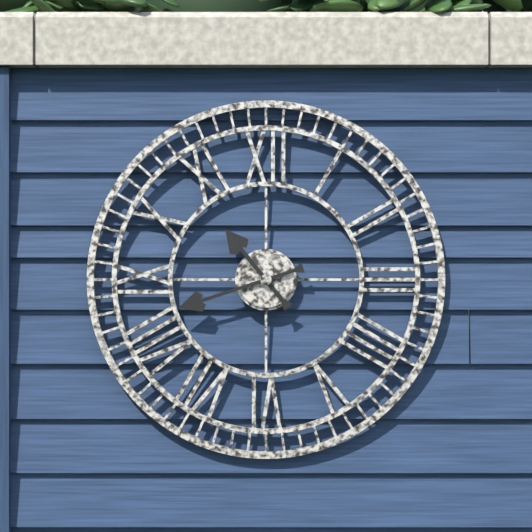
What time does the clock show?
10:42
